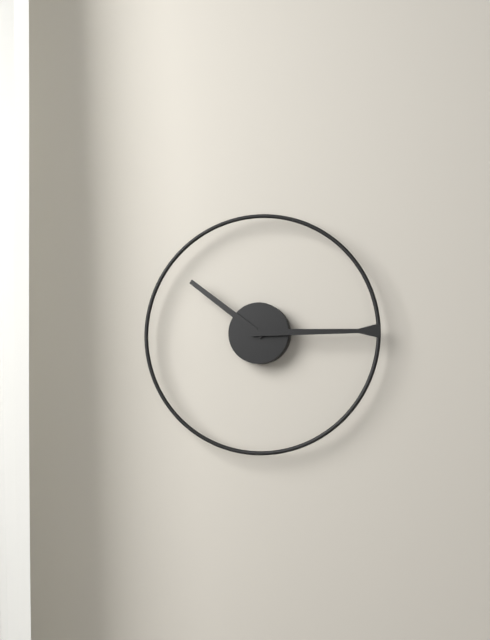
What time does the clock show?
10:15
